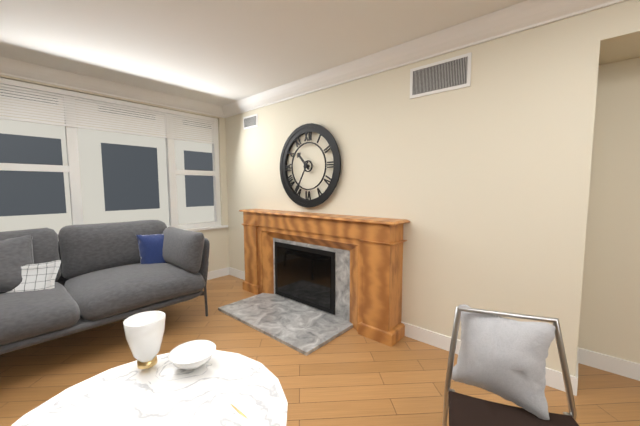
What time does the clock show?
10:35
